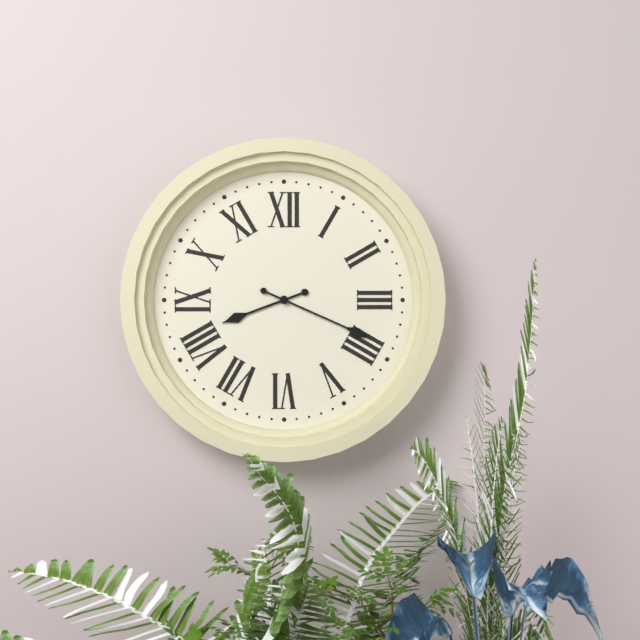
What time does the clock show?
8:19
